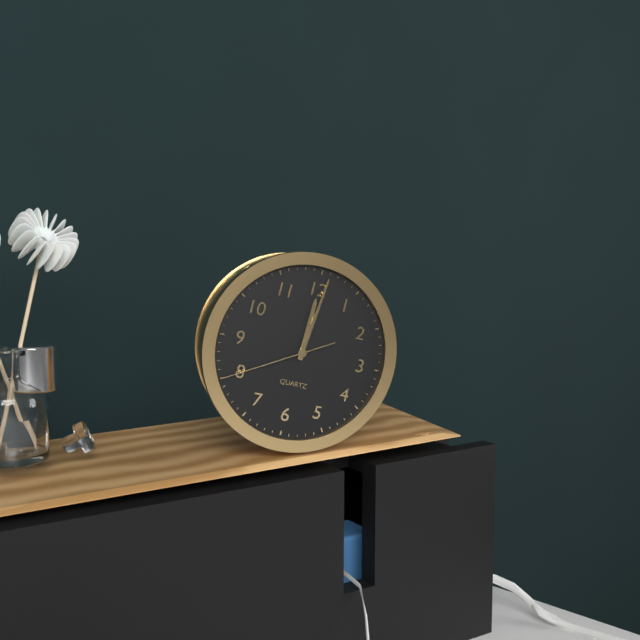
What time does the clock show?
12:01:40
